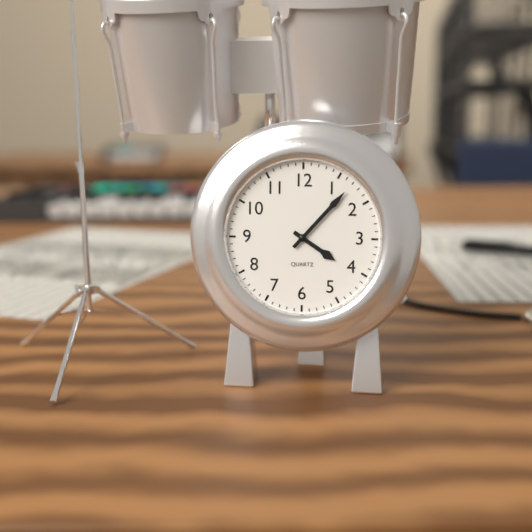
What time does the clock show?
4:07
